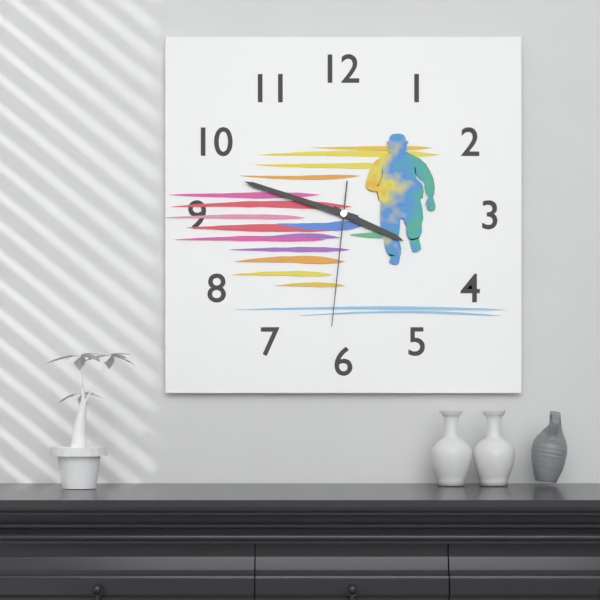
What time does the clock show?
3:48:31
